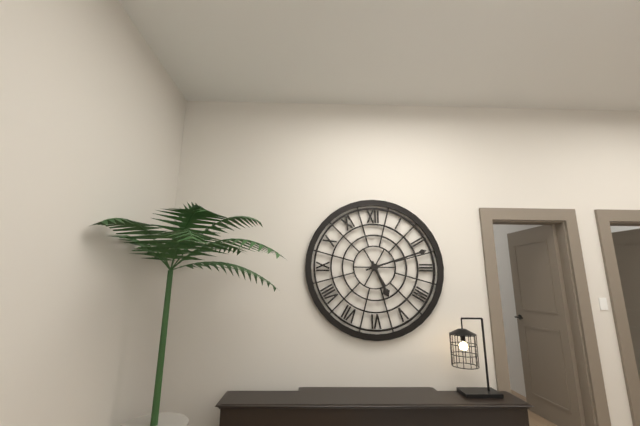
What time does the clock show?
5:12
